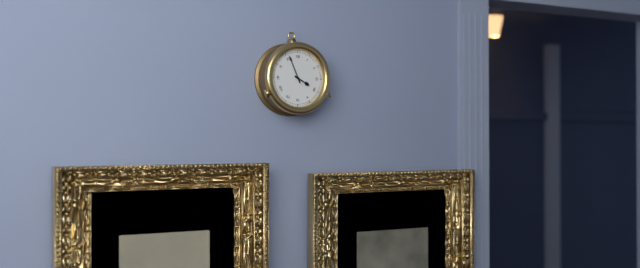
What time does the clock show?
3:56
